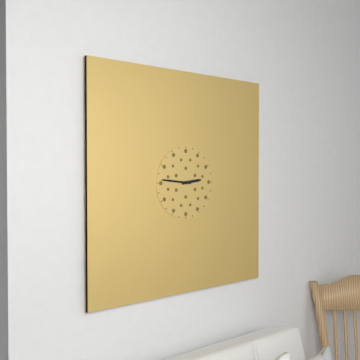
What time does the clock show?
2:46
